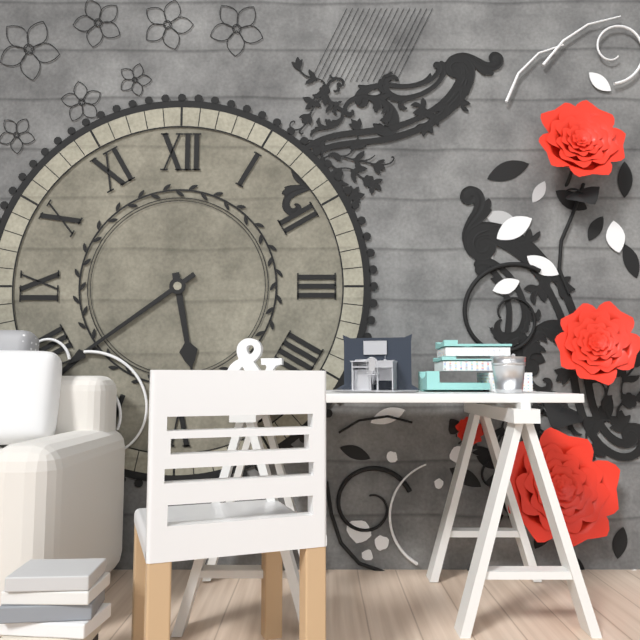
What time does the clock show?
5:39
